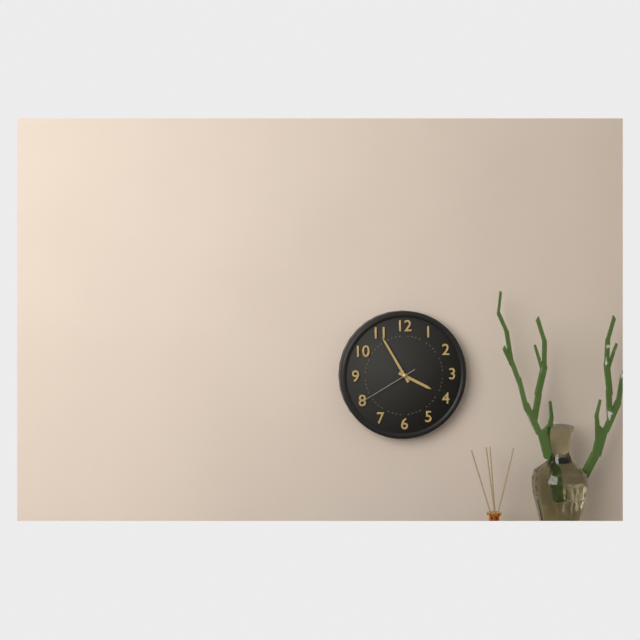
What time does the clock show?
3:55:40
